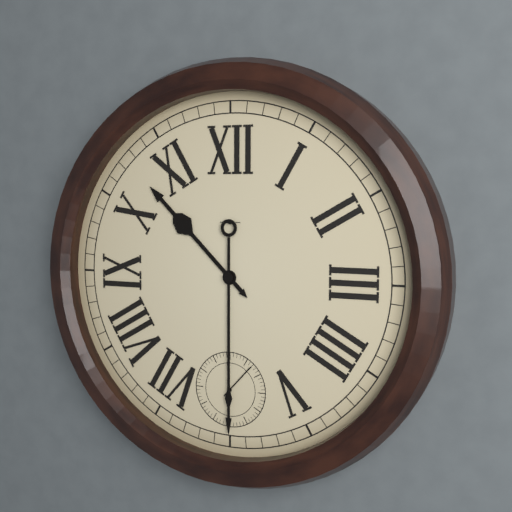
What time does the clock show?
10:30
